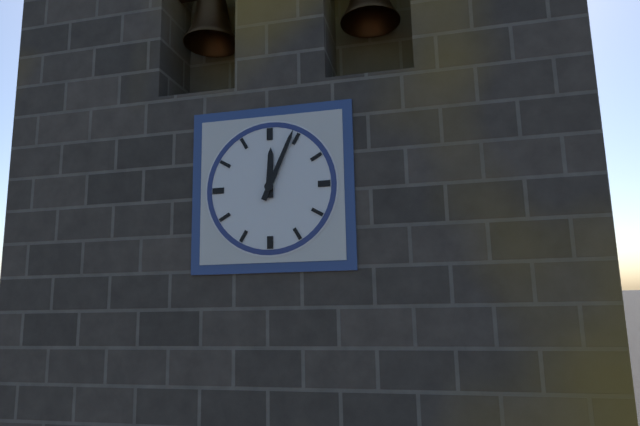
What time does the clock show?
12:04
